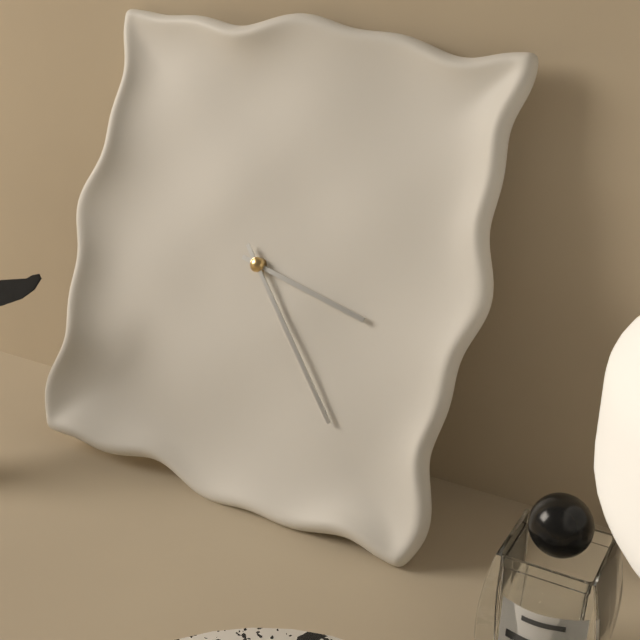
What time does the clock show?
3:23
